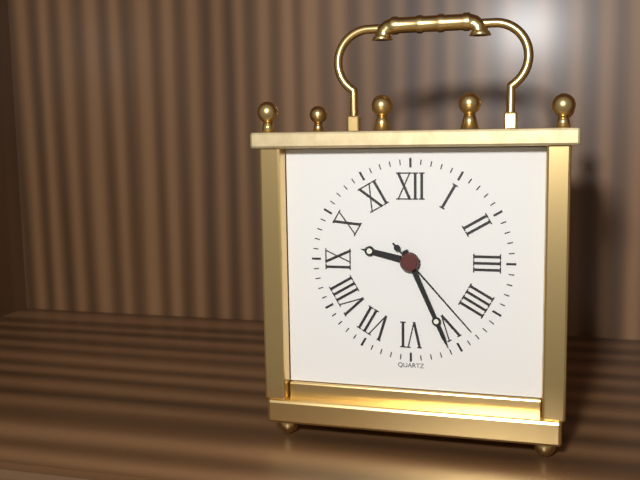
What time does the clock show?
9:26:23
